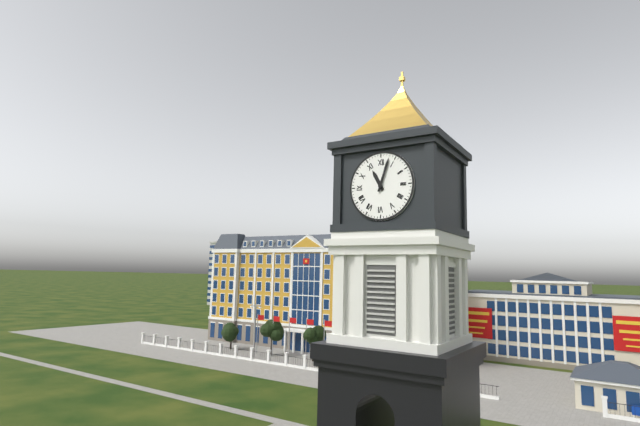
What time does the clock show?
11:03
